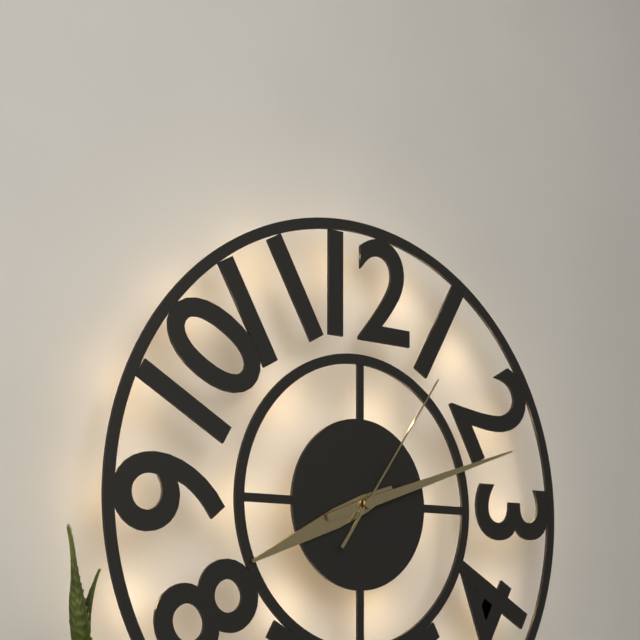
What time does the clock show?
8:12:06
